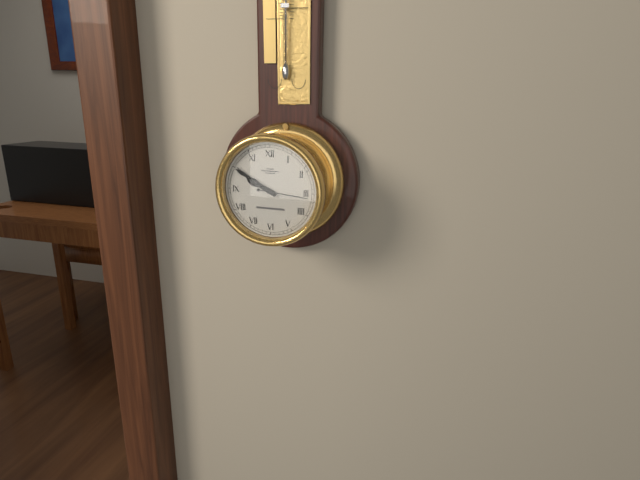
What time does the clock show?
9:50
